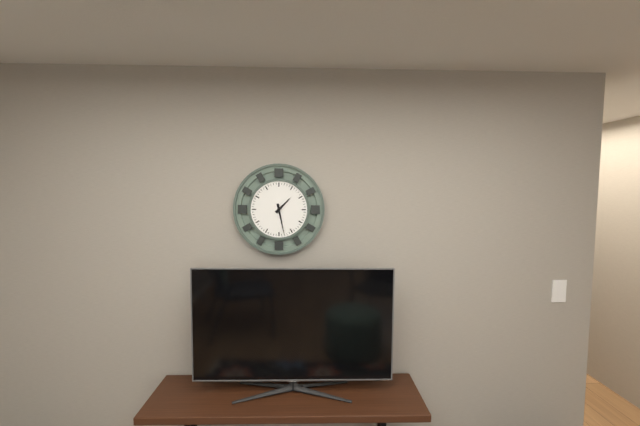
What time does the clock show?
1:28
